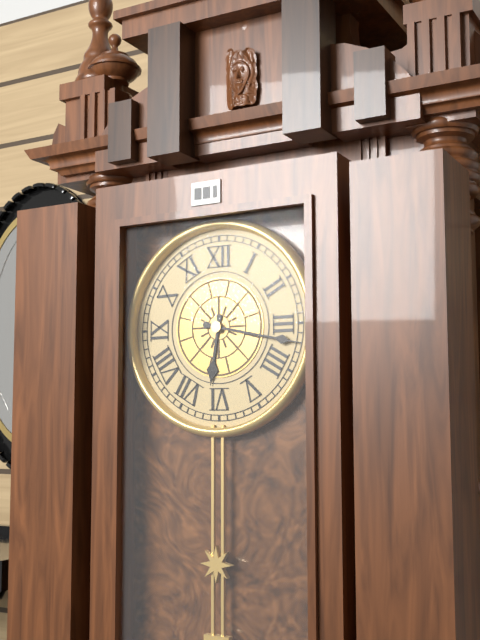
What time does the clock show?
6:17
